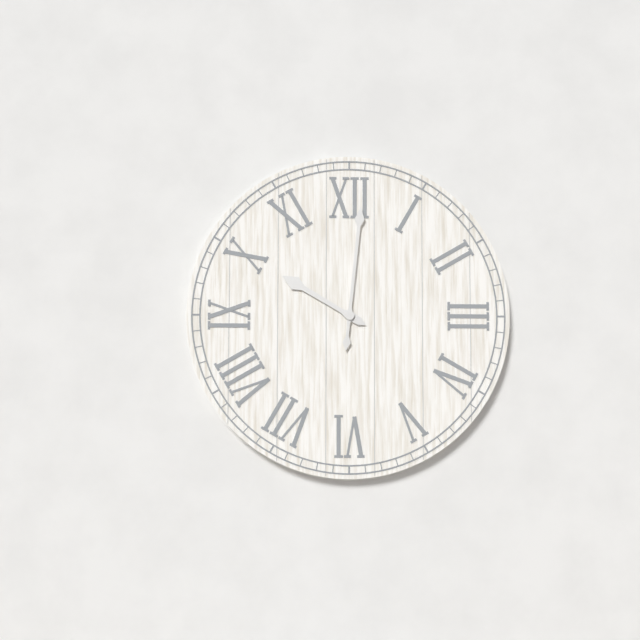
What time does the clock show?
10:01
